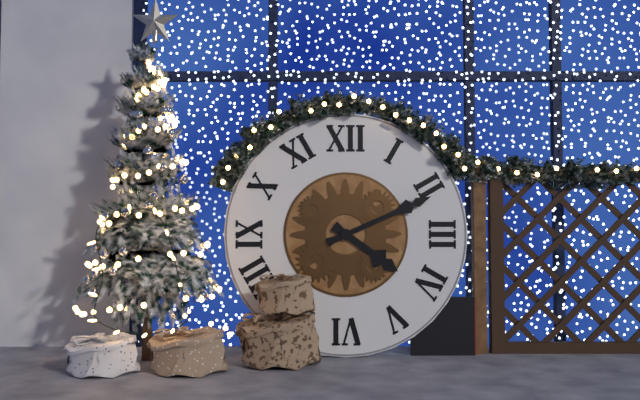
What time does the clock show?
4:11
